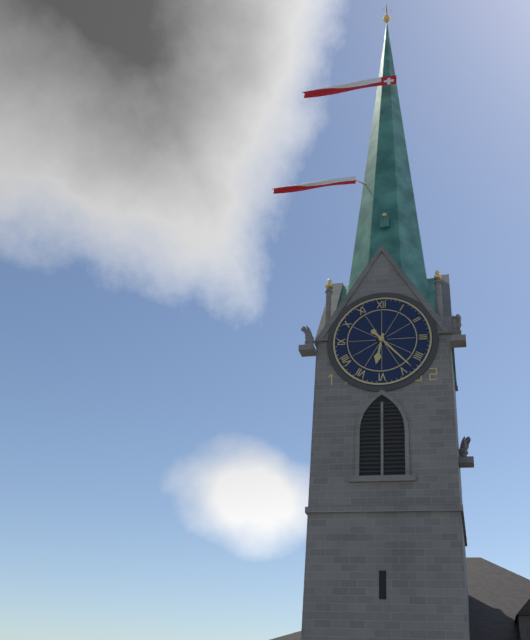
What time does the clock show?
6:23
